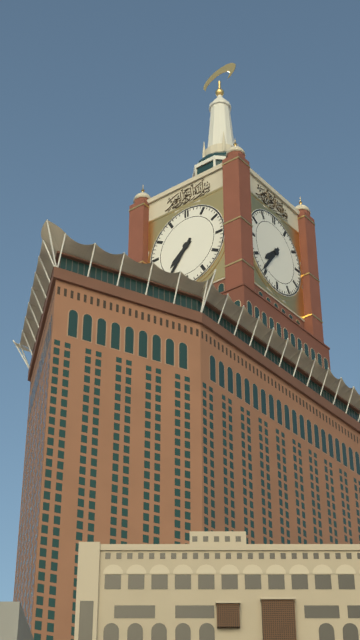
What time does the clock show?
7:36
